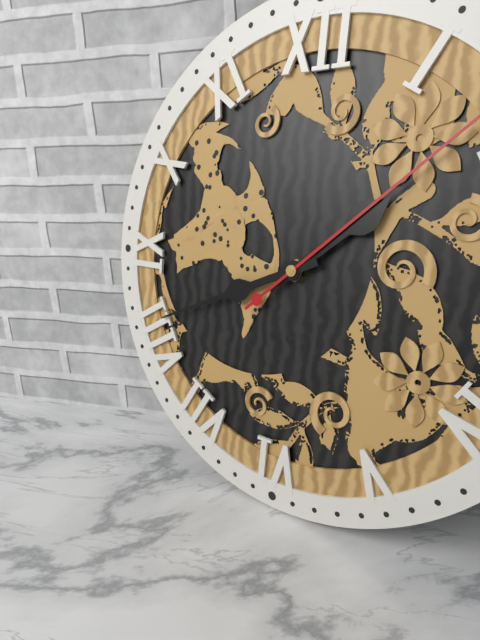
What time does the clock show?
1:41
